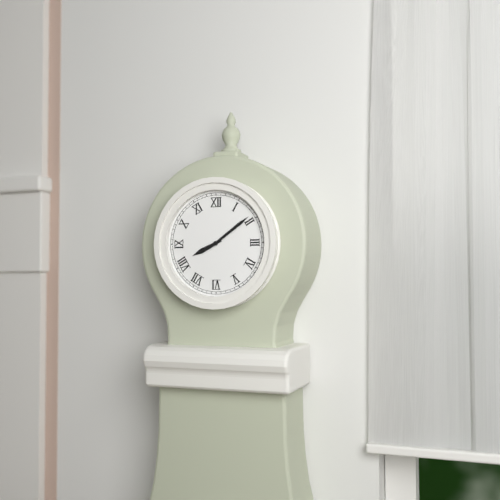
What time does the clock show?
8:09
